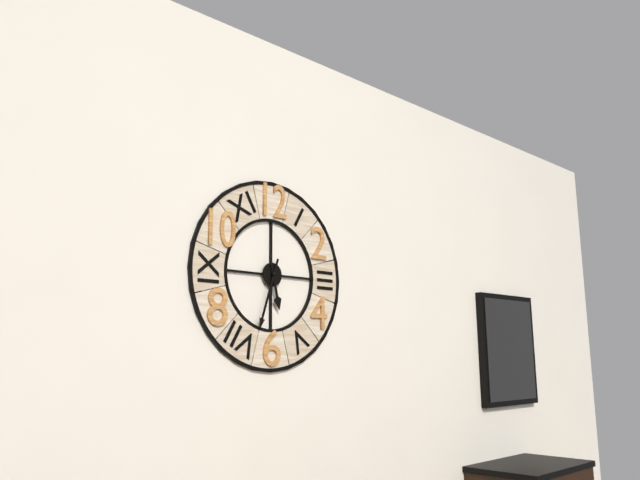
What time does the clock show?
5:33
